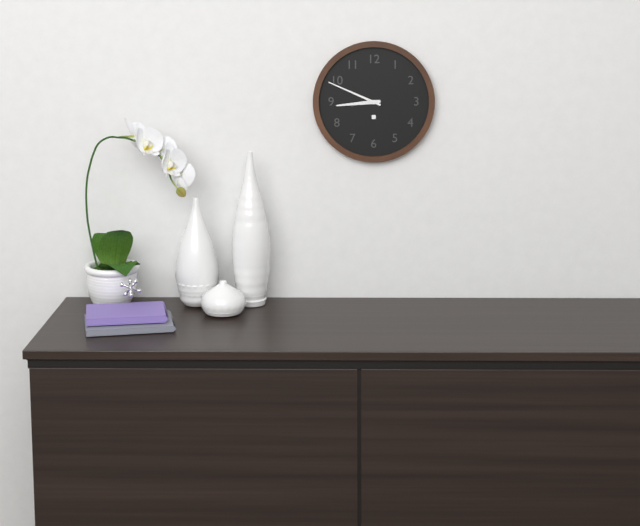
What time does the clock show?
8:49
